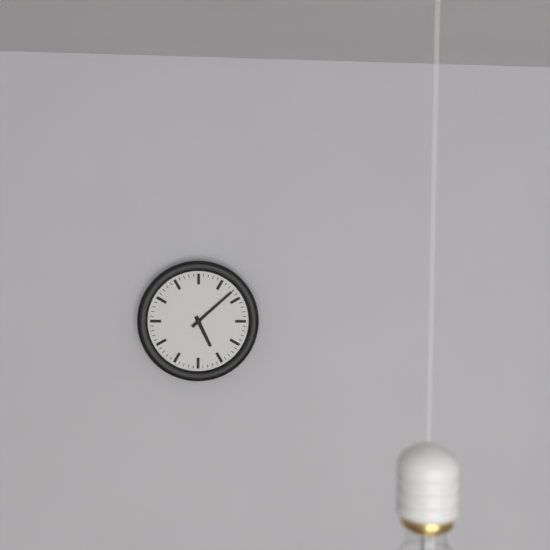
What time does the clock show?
5:08
